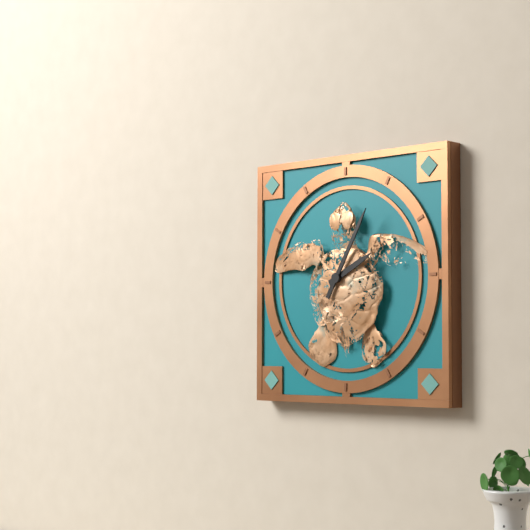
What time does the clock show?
2:05
